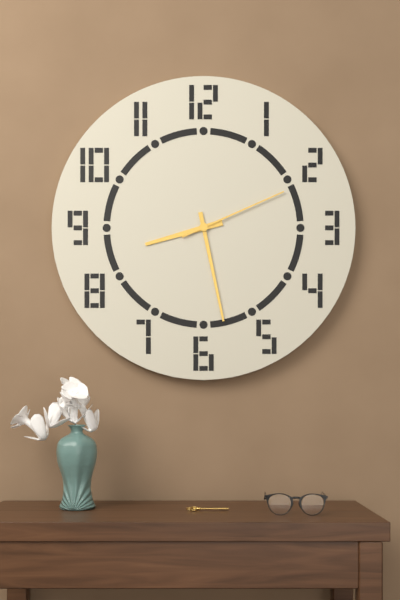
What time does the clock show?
8:28:11
